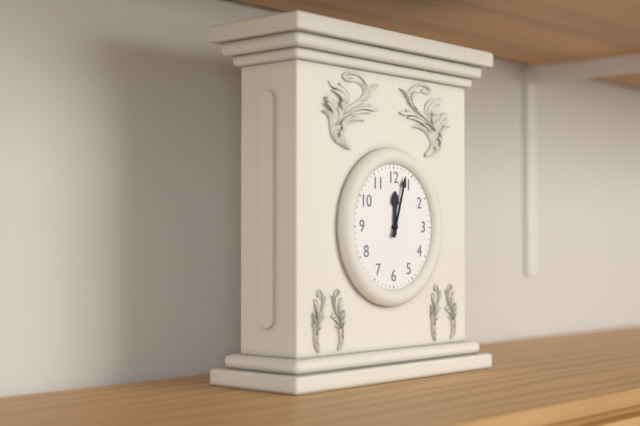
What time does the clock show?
12:03
